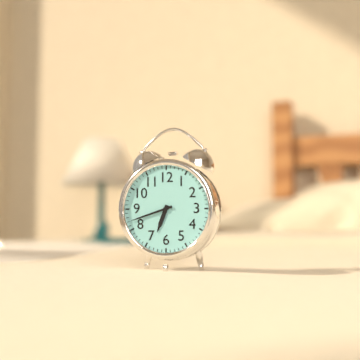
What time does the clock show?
6:42
